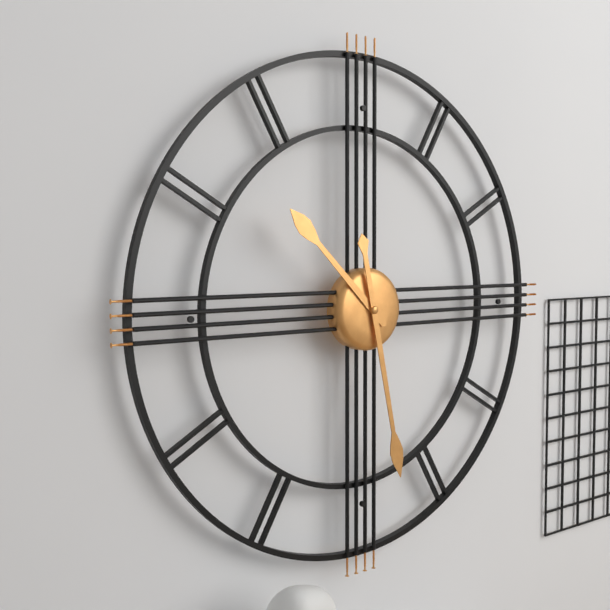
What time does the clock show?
10:28
